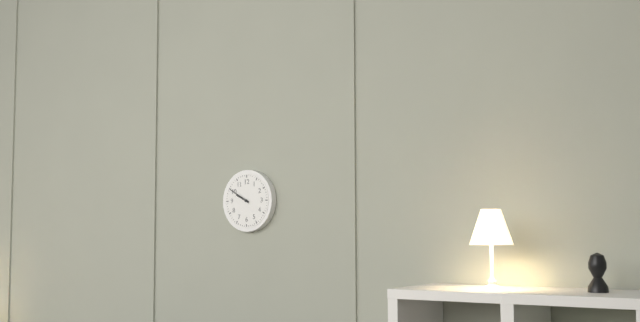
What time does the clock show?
9:50
